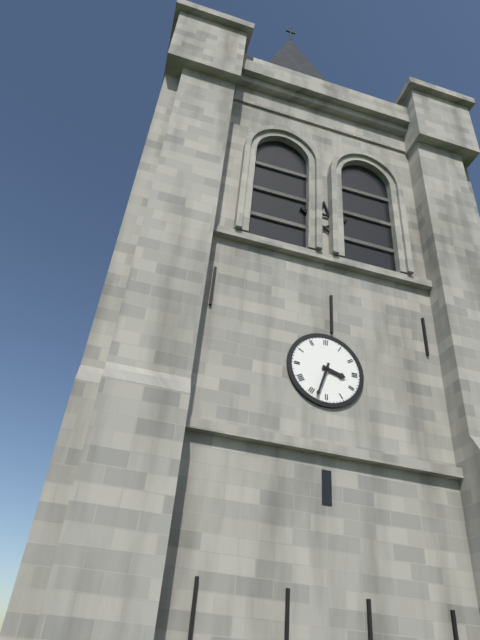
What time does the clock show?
3:33
